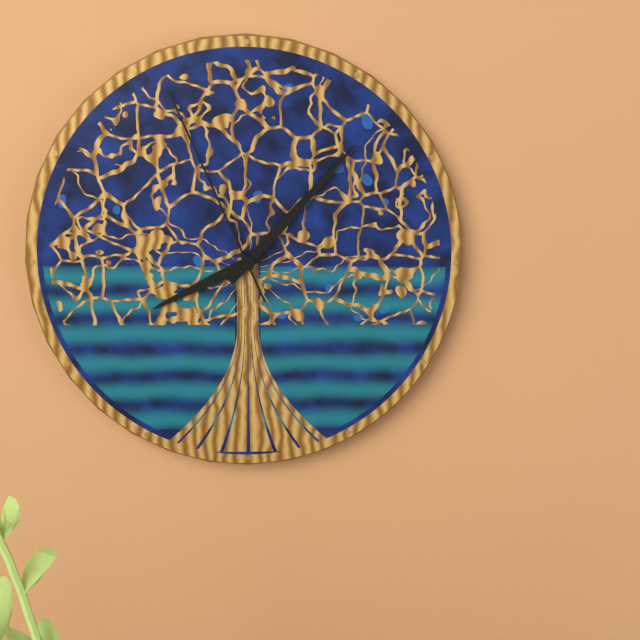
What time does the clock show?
8:07:56
